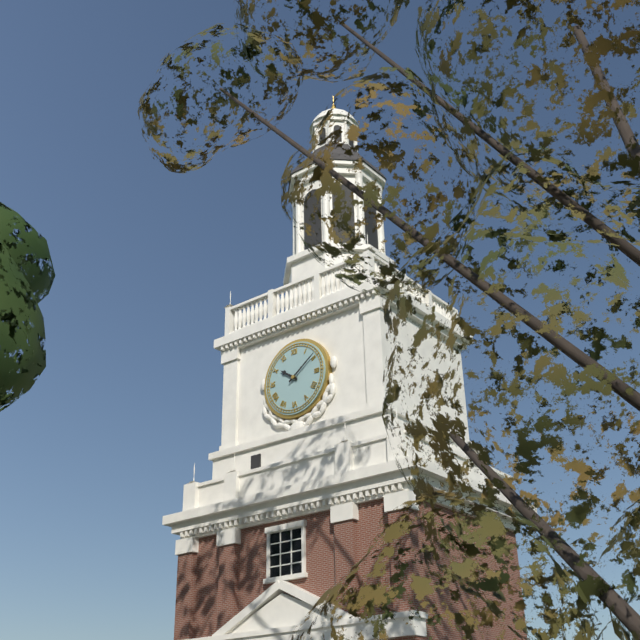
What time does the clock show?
10:09
